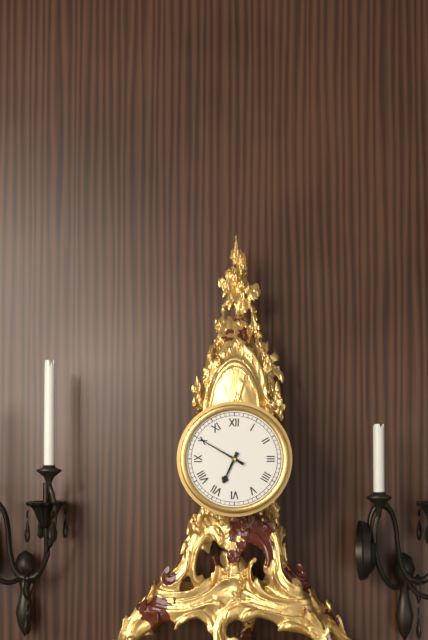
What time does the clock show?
6:50
